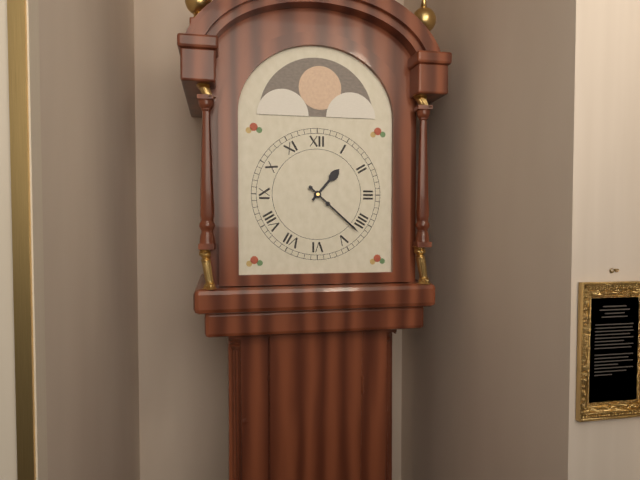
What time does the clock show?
1:22
